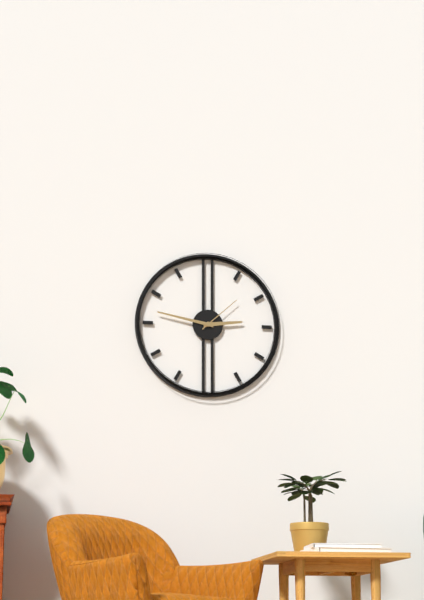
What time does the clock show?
2:47
